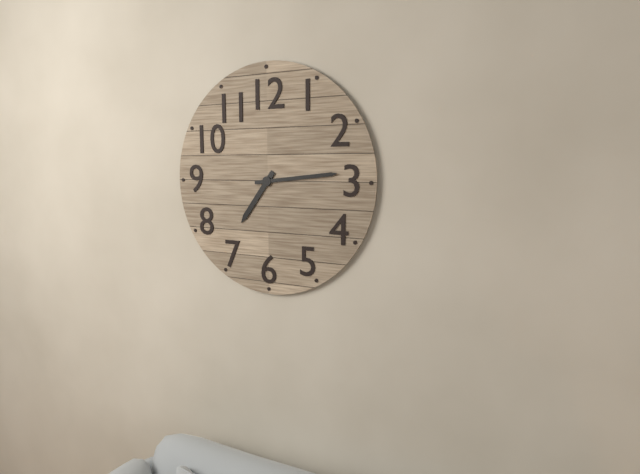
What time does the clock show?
7:14
